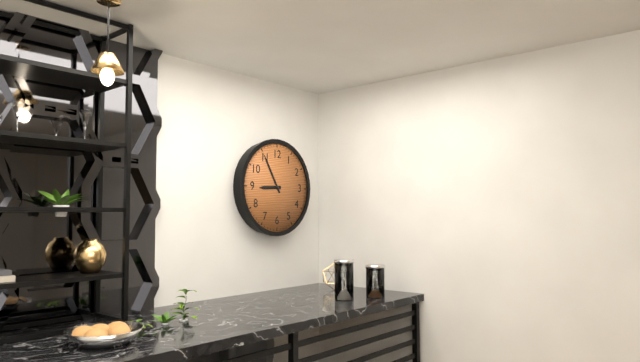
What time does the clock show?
8:55
